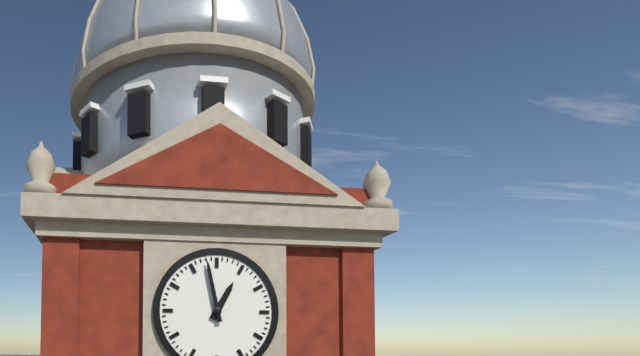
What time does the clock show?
12:58
